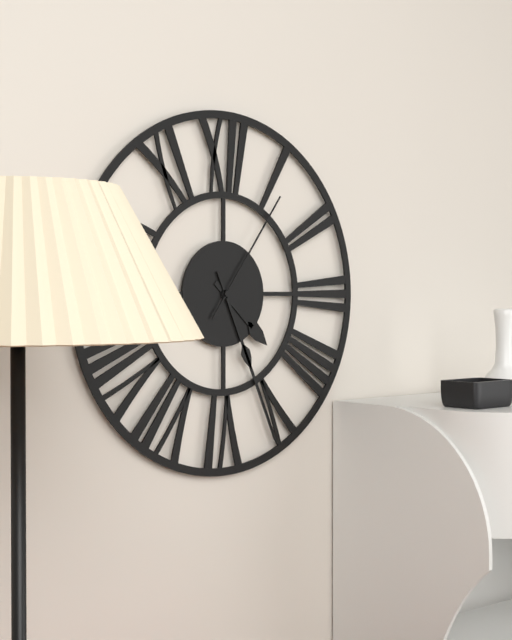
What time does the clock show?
4:26:06
